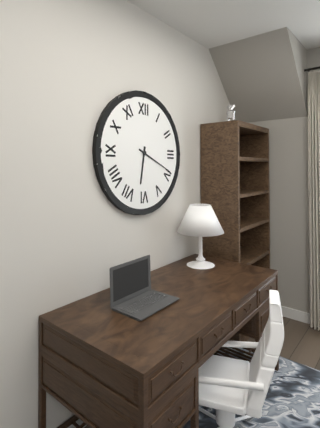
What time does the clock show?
6:19
